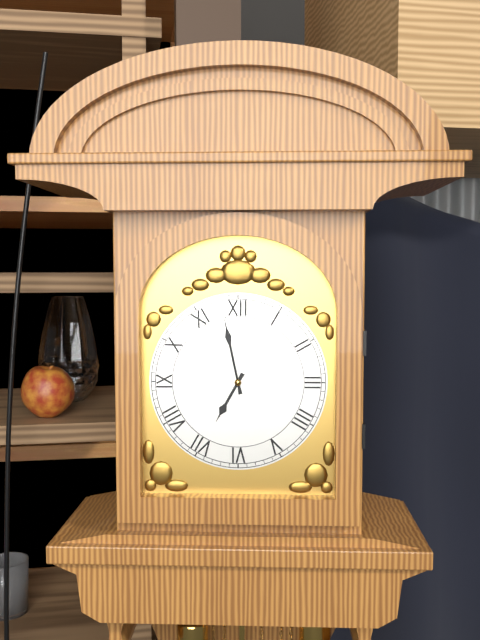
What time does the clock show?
6:58
